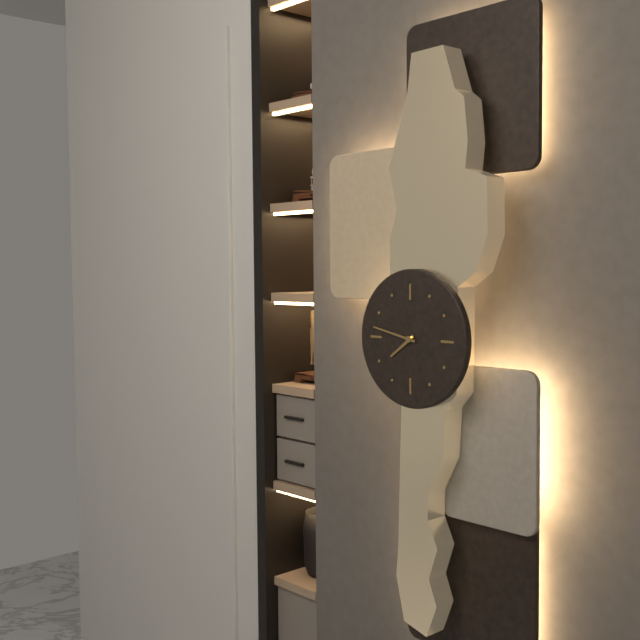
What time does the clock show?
7:47
